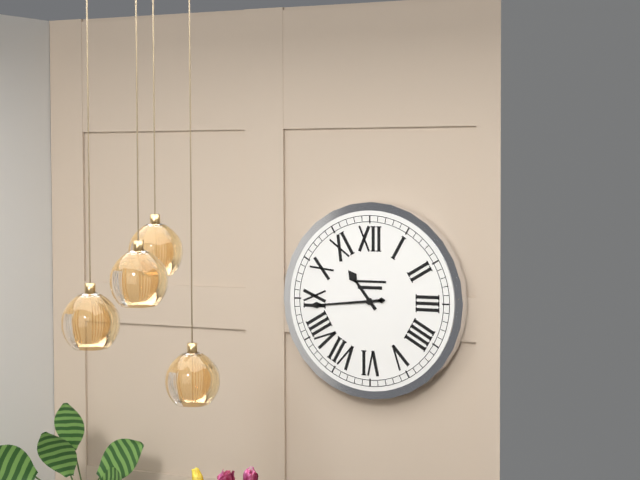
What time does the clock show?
10:44
